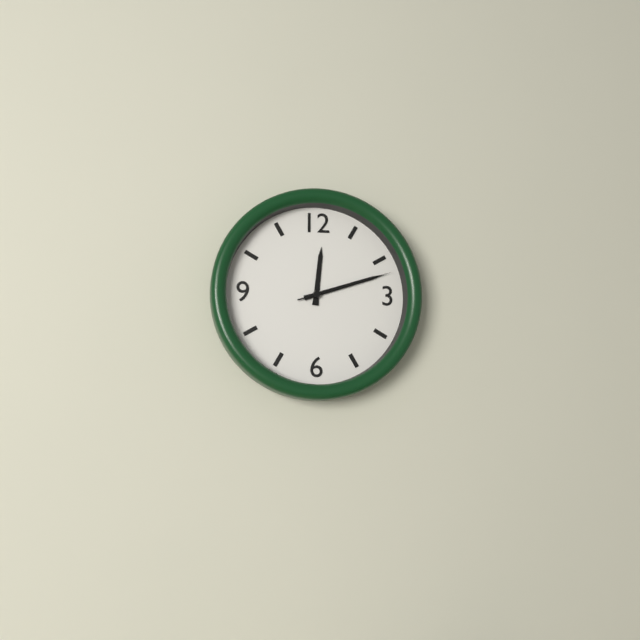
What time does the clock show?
12:12:12
